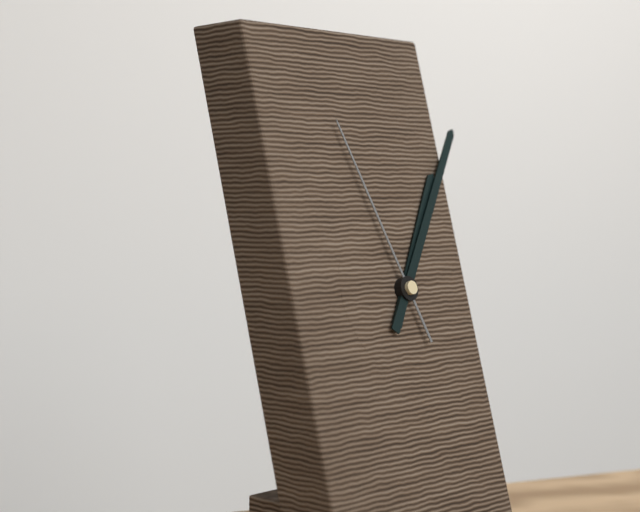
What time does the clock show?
1:06:57
